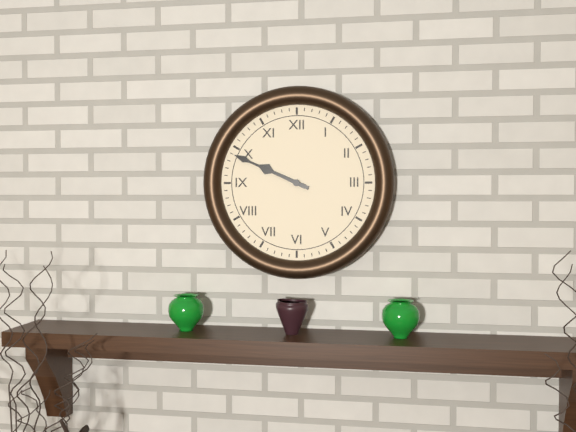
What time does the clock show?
9:49
